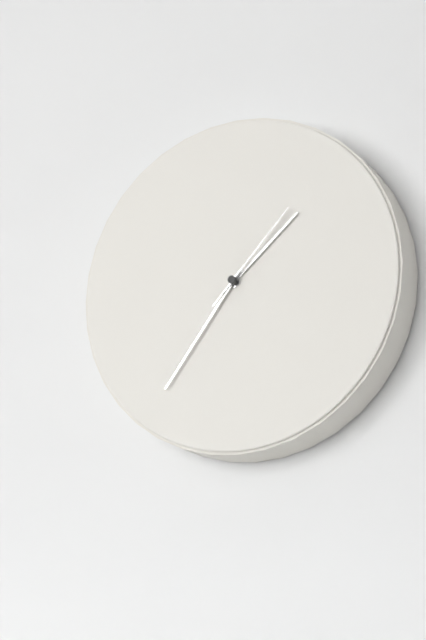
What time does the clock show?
1:36:07
